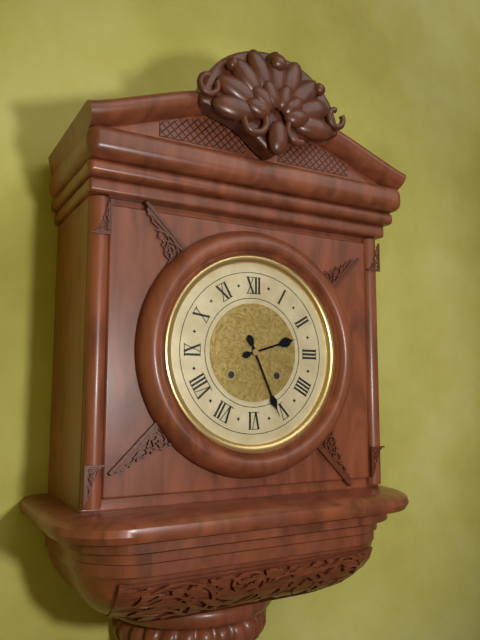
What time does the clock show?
2:26
